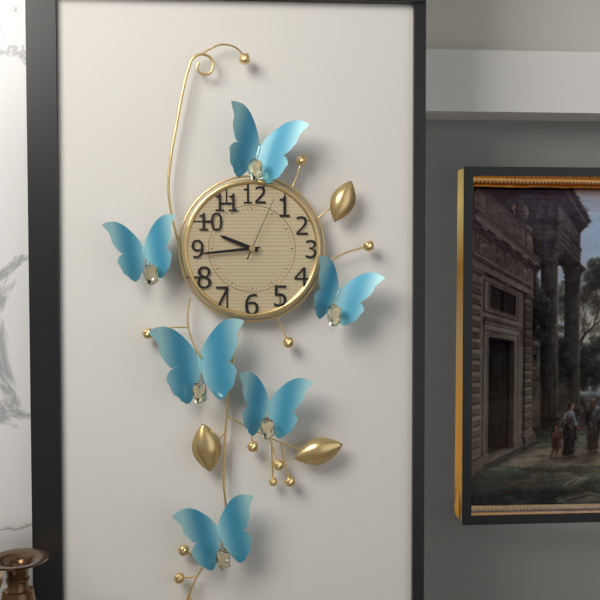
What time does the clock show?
9:44:04
